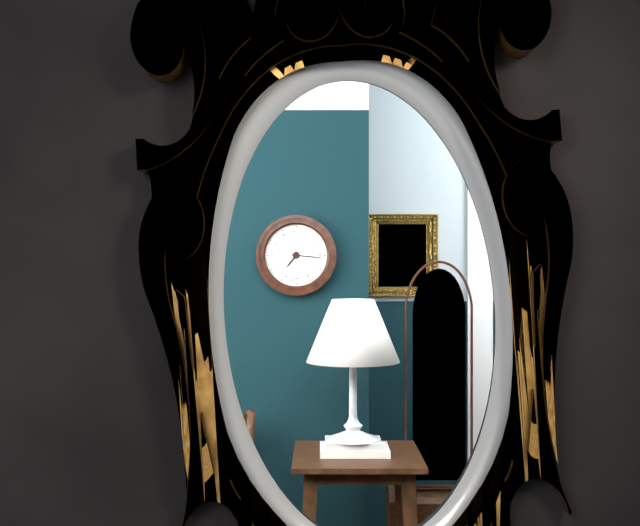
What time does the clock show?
7:16
